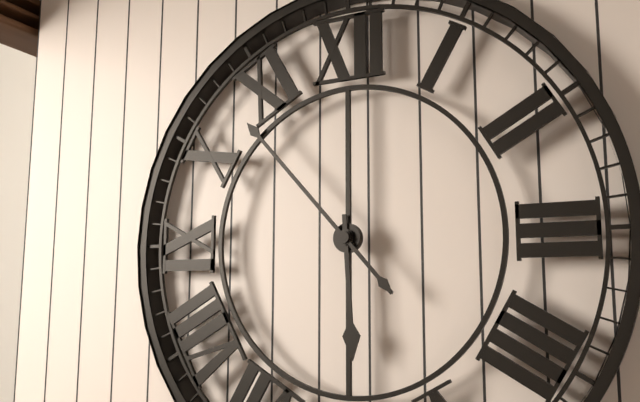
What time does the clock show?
5:53
